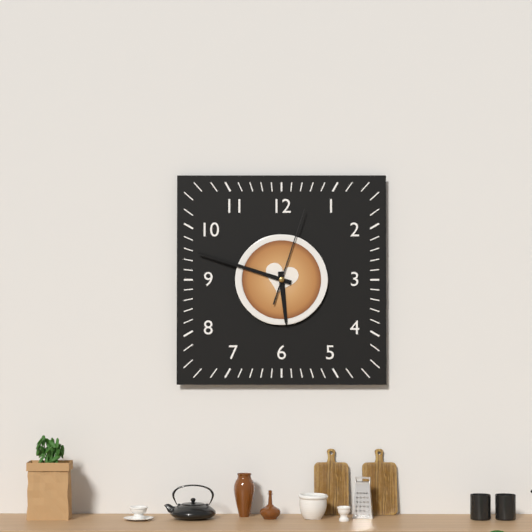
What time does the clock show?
5:48:03
